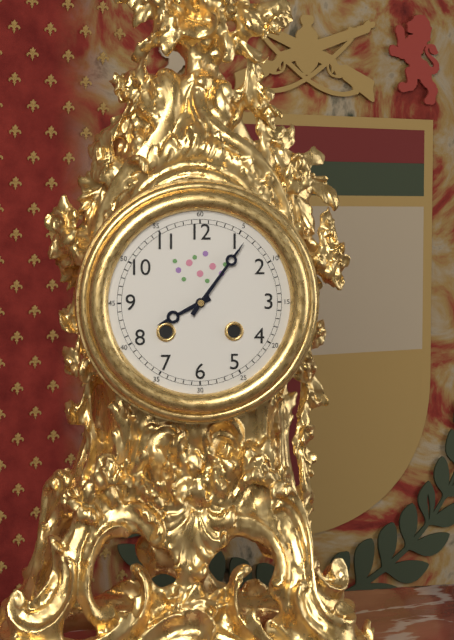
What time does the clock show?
8:06
